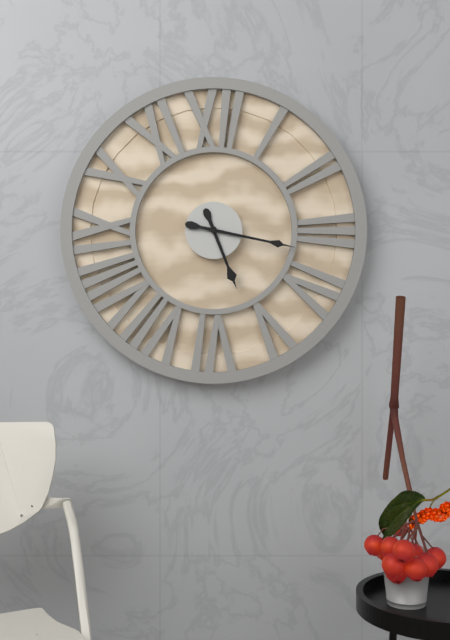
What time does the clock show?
5:17
